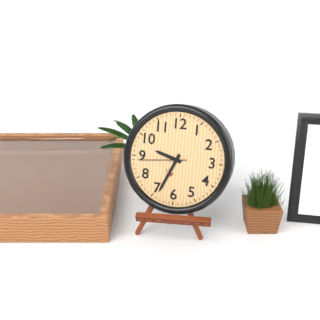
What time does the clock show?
9:34
